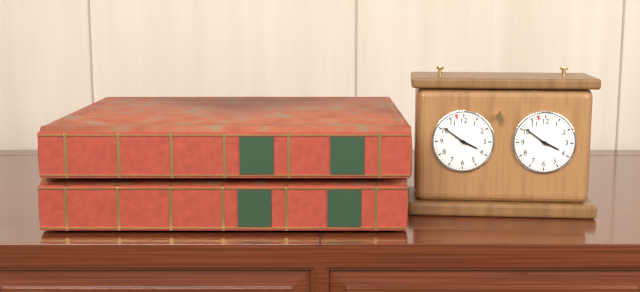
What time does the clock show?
3:51
